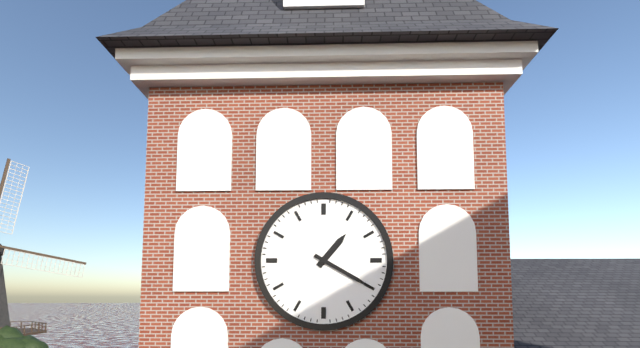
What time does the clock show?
1:20
